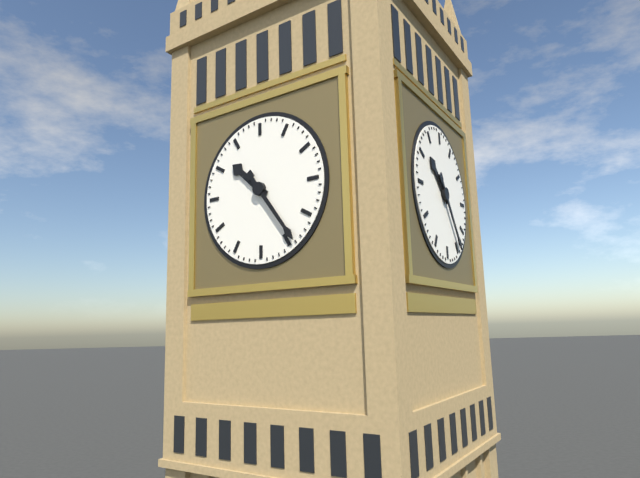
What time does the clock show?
10:24
